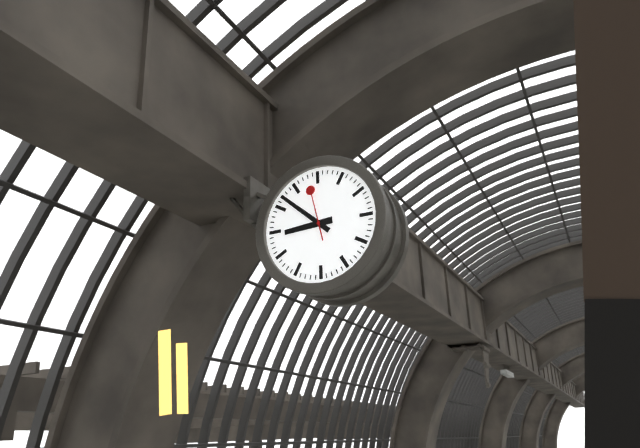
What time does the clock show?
8:52
